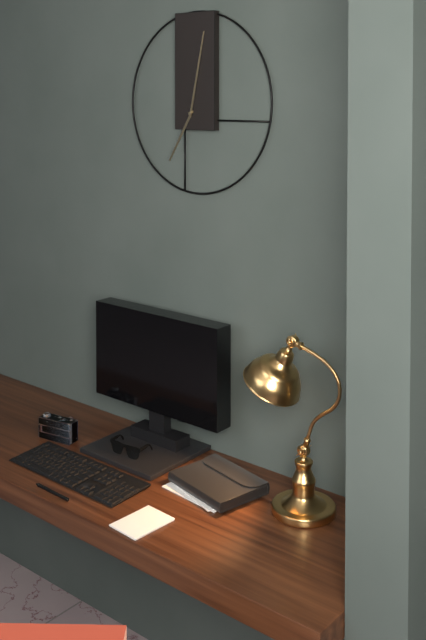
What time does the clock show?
7:02
